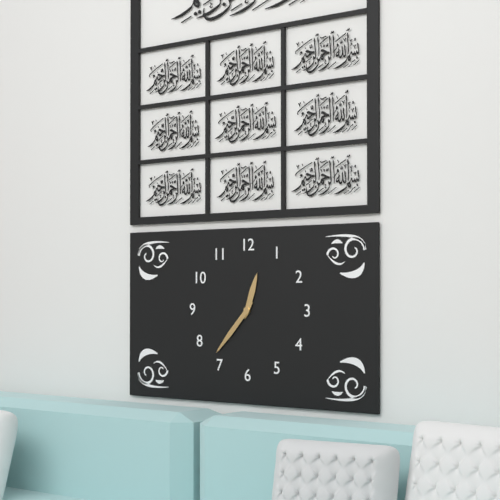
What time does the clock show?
12:37
